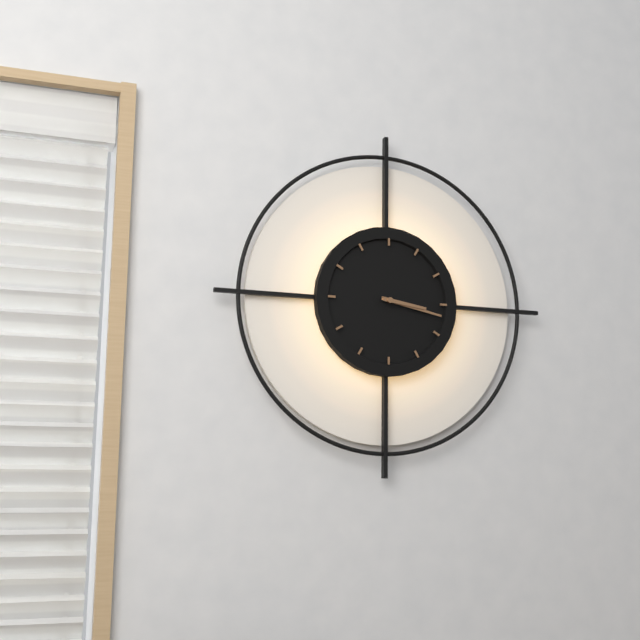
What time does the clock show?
3:17
